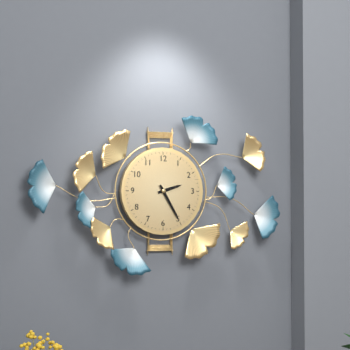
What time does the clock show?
2:25
